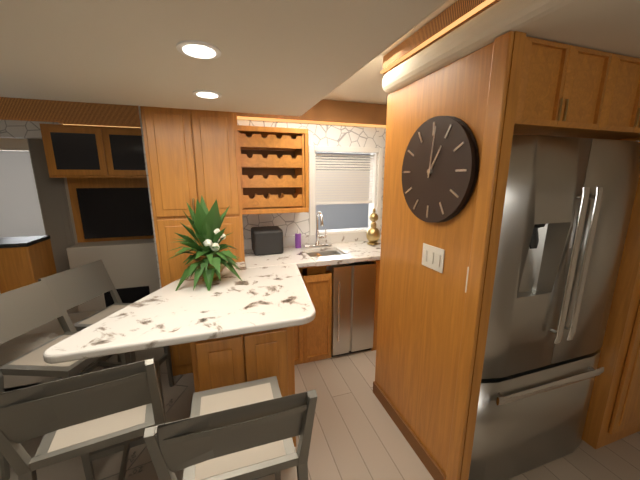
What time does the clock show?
1:01
